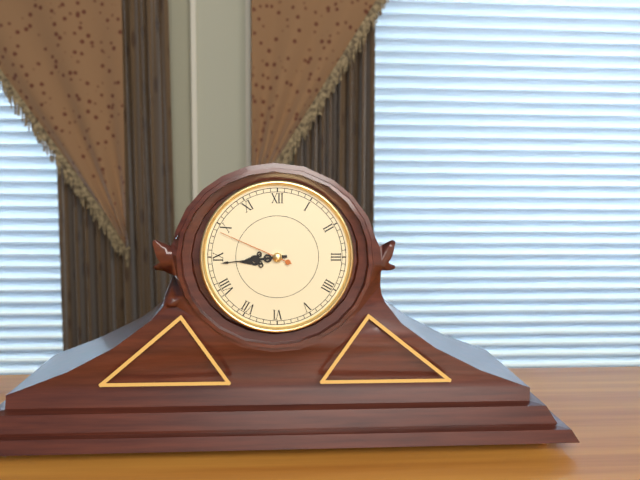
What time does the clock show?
8:44:49
